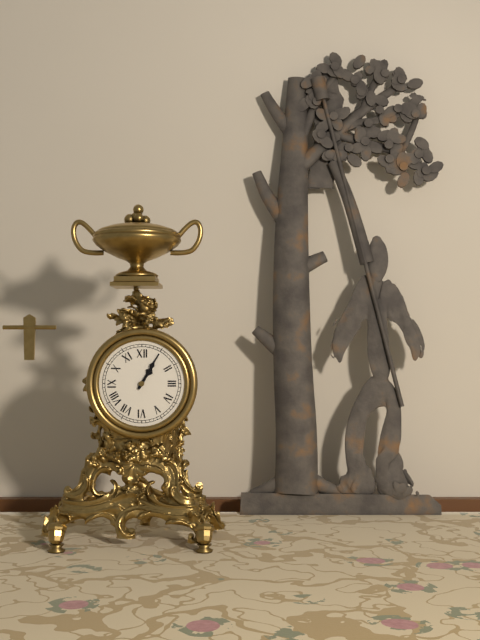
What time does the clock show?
1:05
